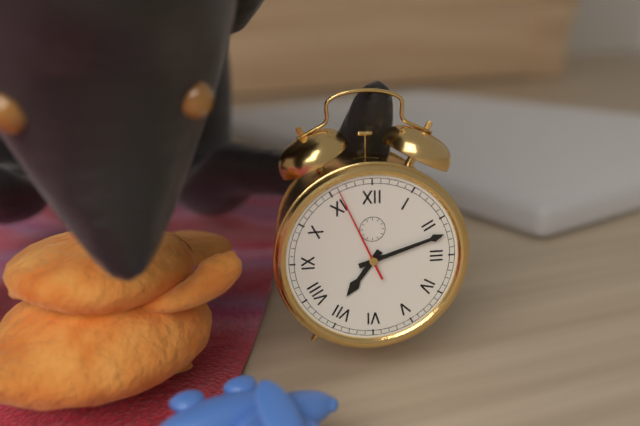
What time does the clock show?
7:12:56
